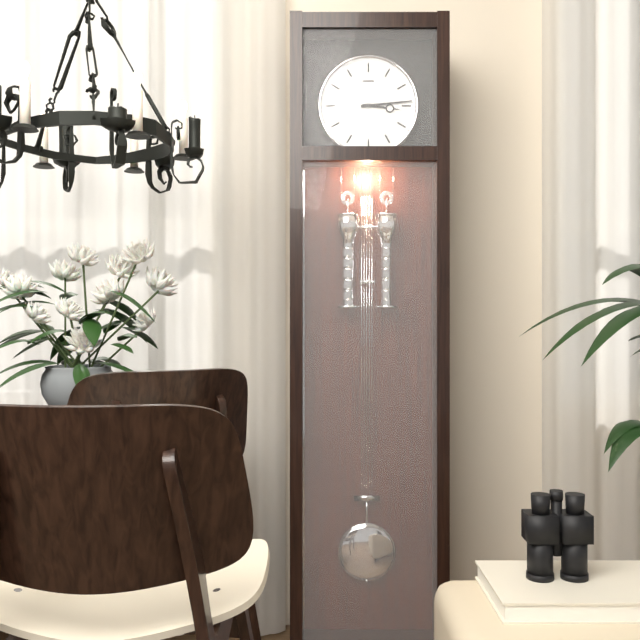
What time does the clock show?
3:14
